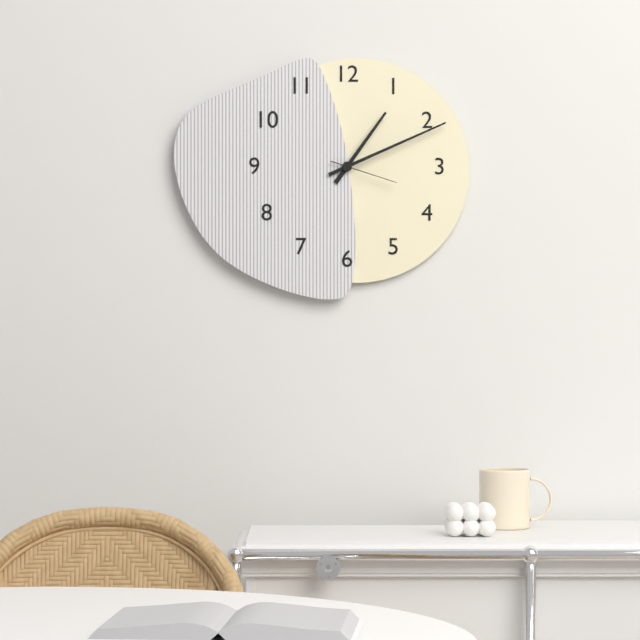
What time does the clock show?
1:11:18
